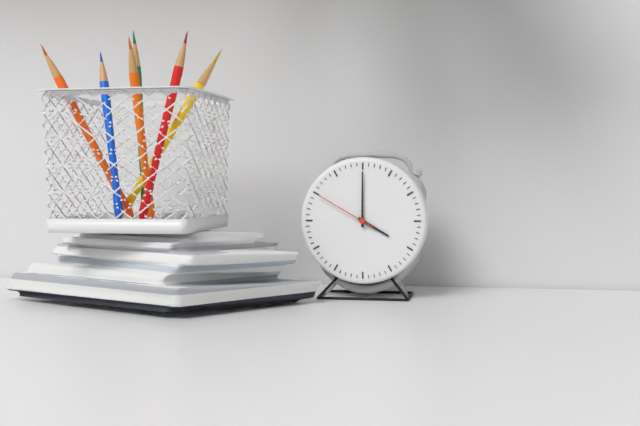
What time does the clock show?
4:00:50
